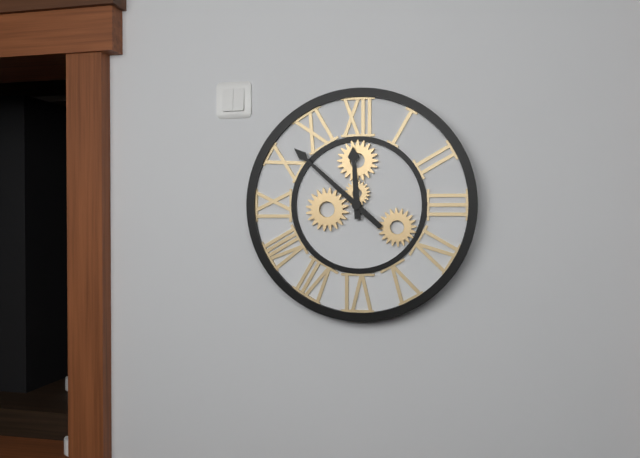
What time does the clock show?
11:52
